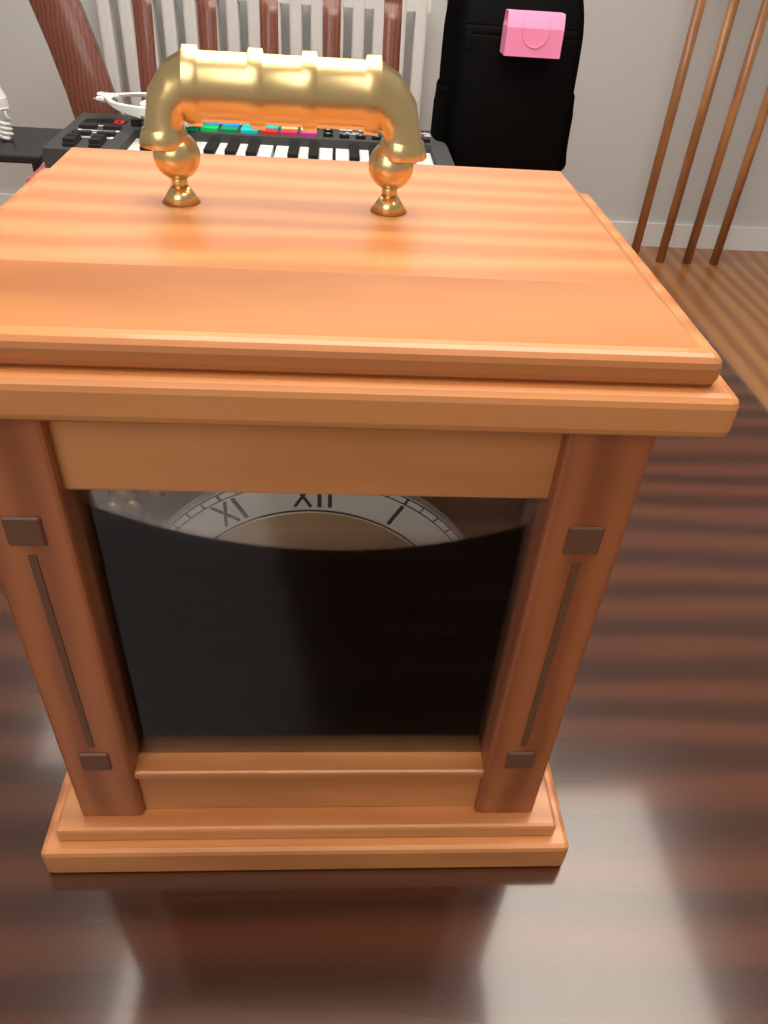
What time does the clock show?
6:48
